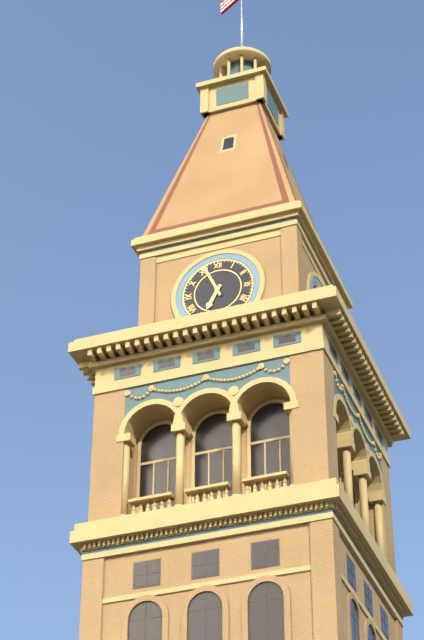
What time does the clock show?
6:56
